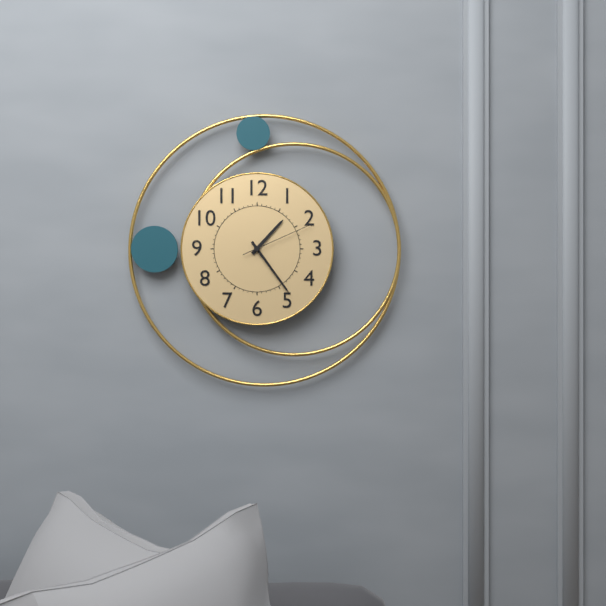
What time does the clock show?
1:24:11
